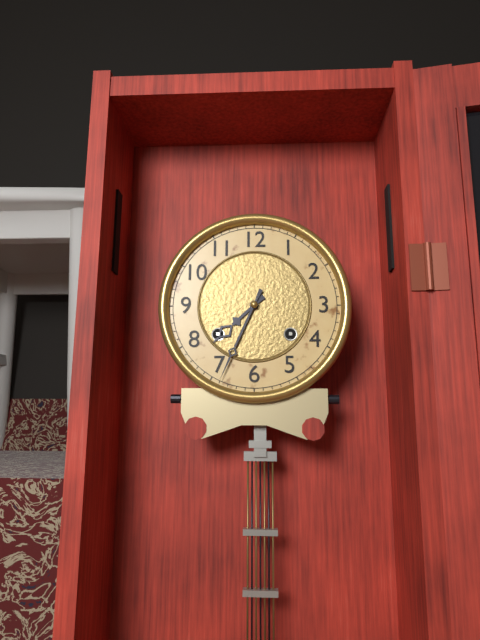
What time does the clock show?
7:34
